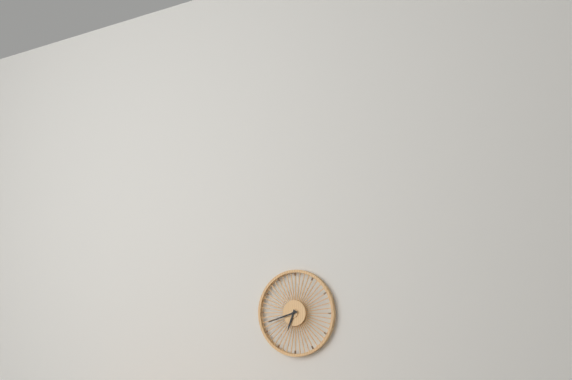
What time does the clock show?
6:42
